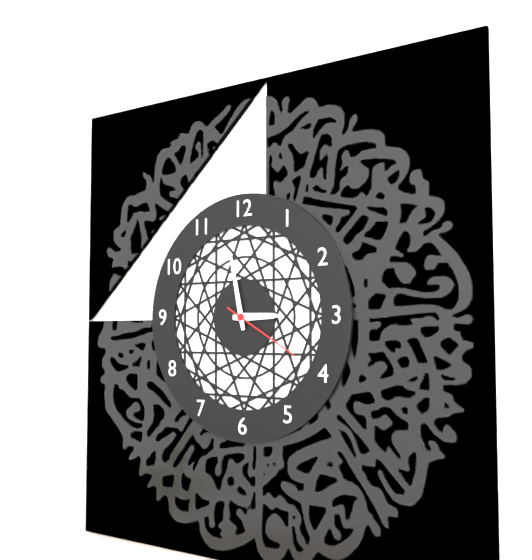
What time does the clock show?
2:58:20
